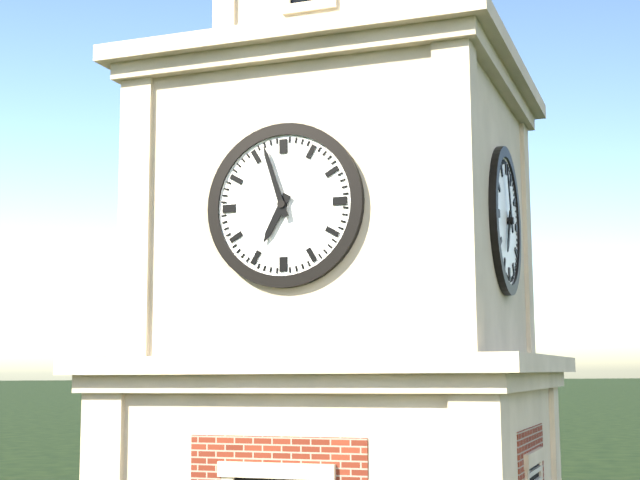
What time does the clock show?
6:57
